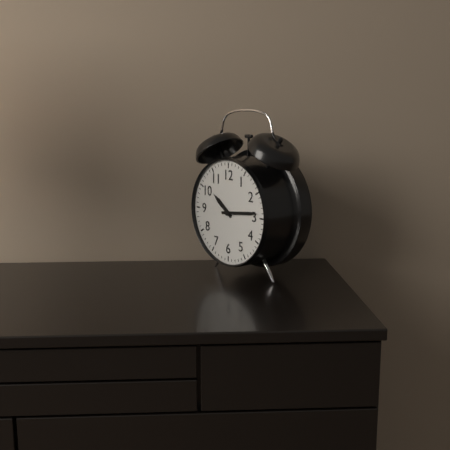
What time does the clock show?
10:14
